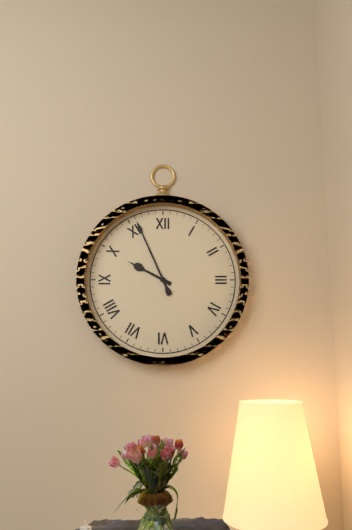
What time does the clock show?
9:56
